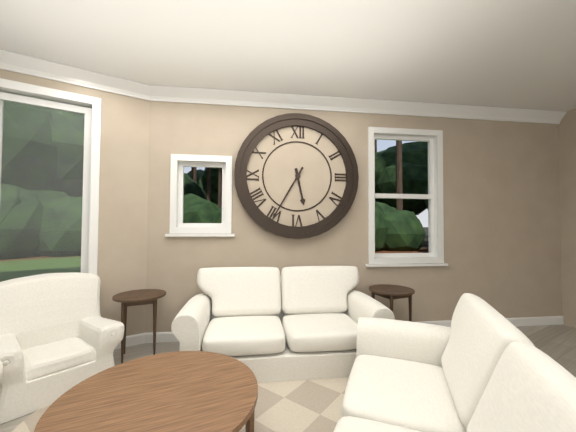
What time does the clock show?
5:35
